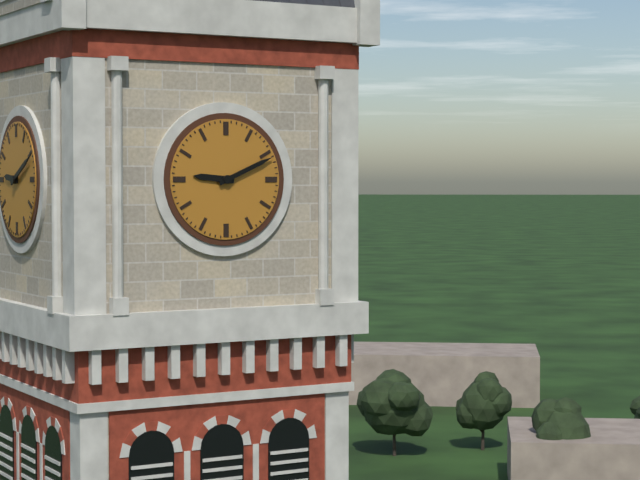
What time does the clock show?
9:11
